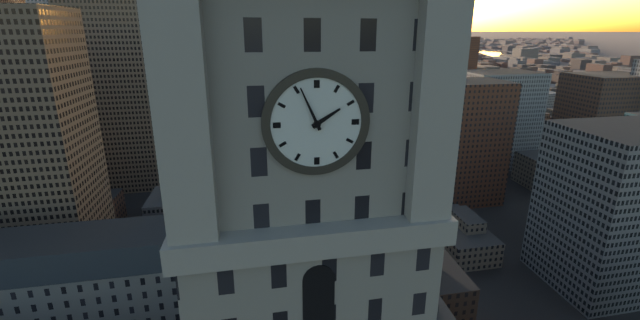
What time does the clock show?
1:56
